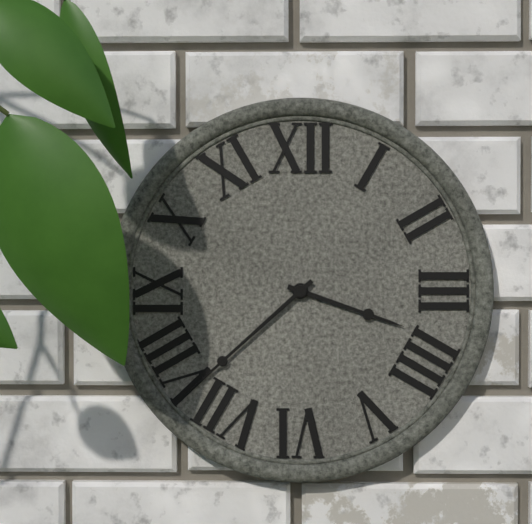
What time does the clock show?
3:38
